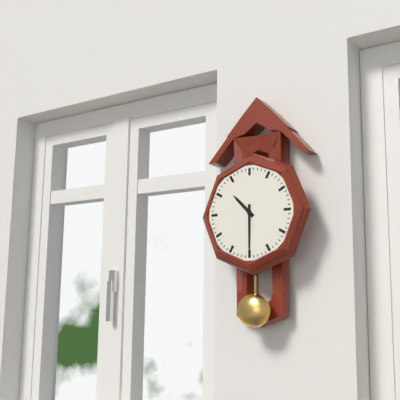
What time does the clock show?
10:30
